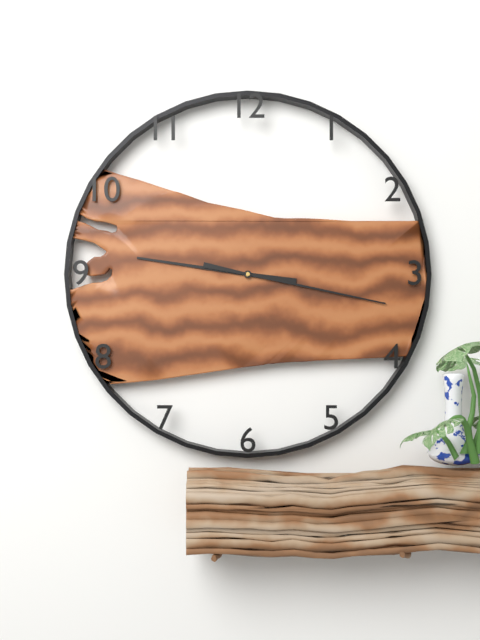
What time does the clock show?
9:17
